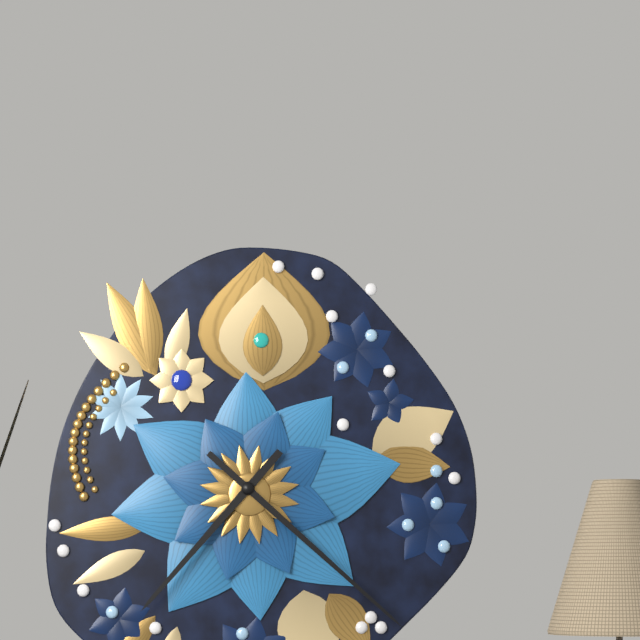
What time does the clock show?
7:22
